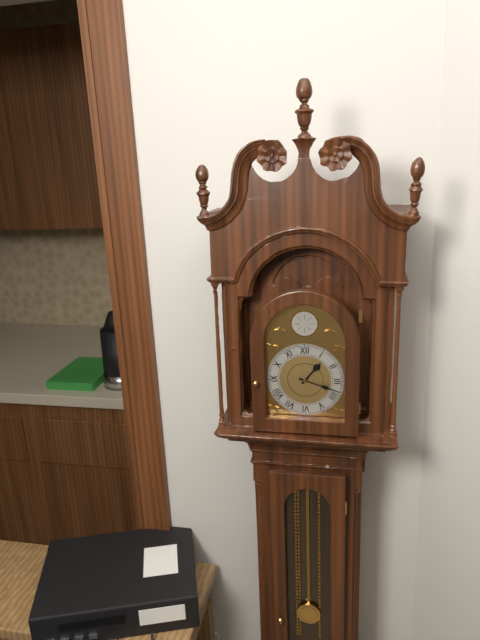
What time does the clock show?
1:18
